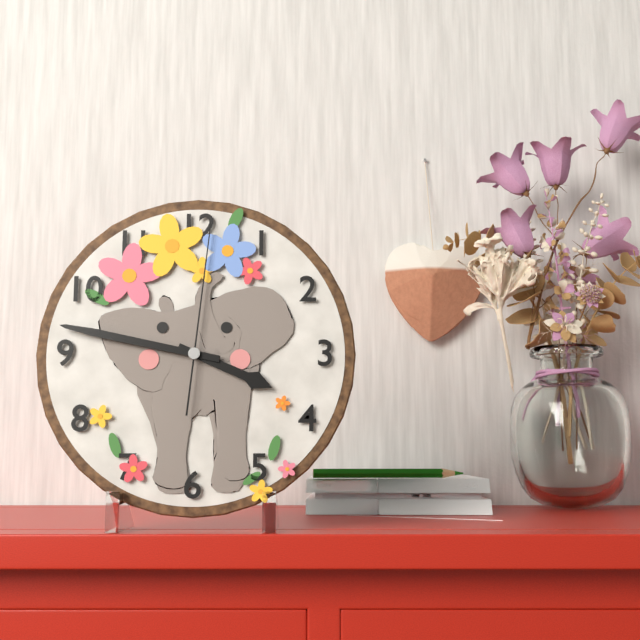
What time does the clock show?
3:47:01
